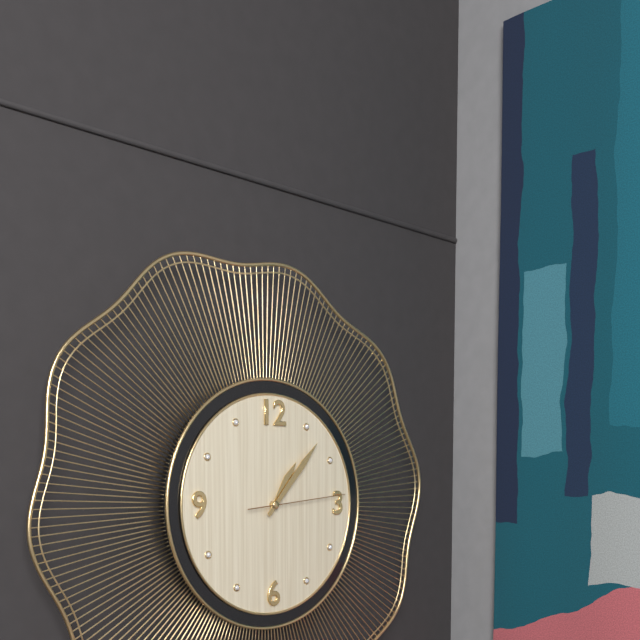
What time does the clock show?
1:07:14
